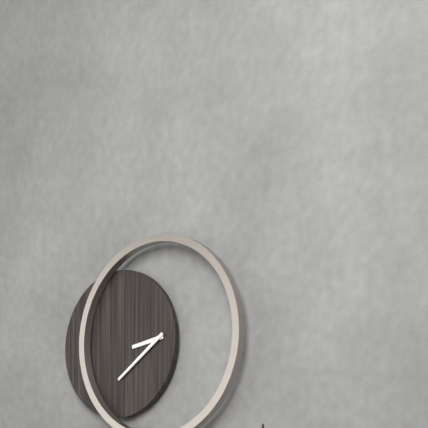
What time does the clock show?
8:39
